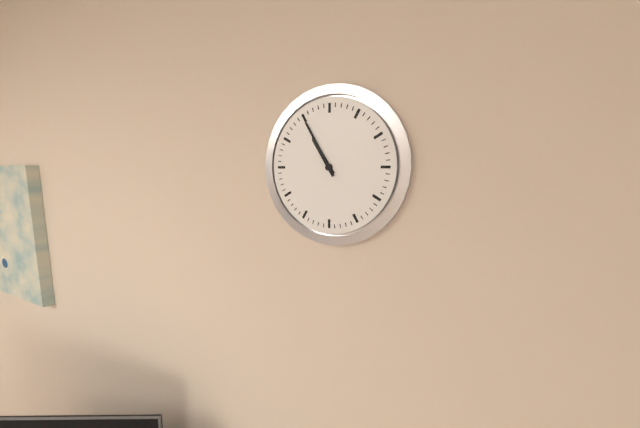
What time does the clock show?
10:55
